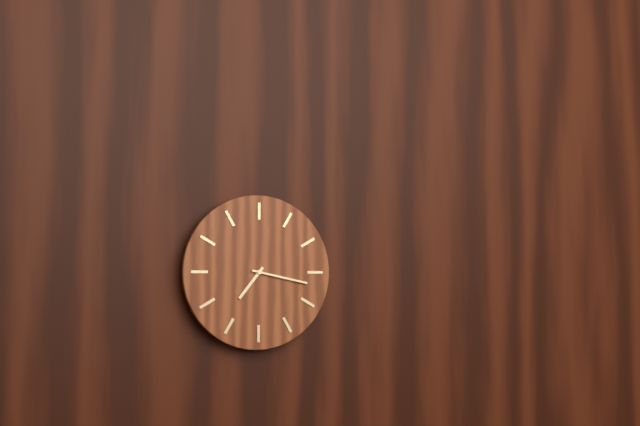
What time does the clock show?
7:17
